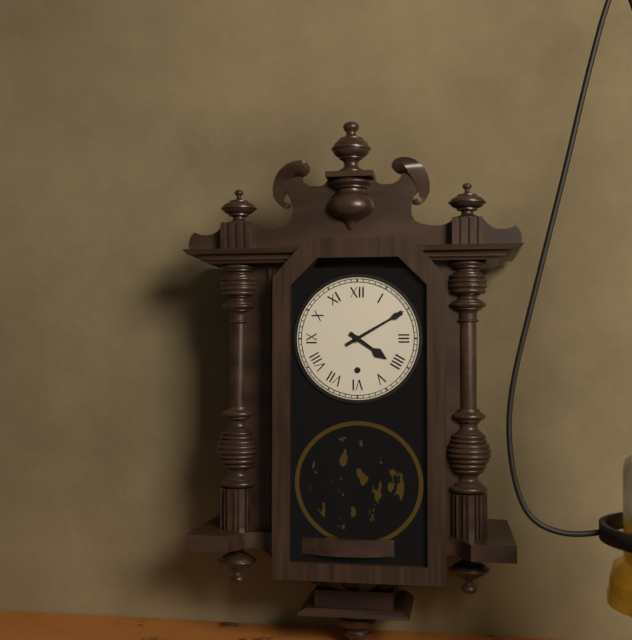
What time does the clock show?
4:10
